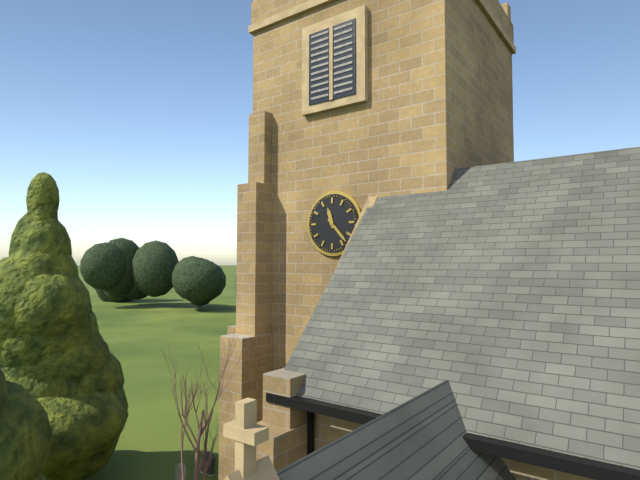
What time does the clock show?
11:23
